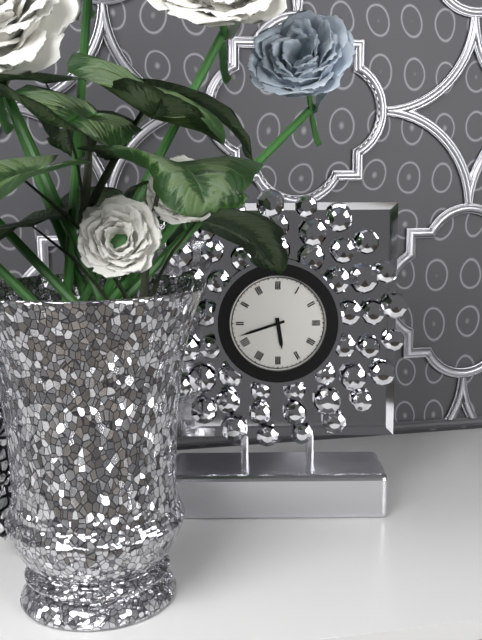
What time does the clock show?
5:42
